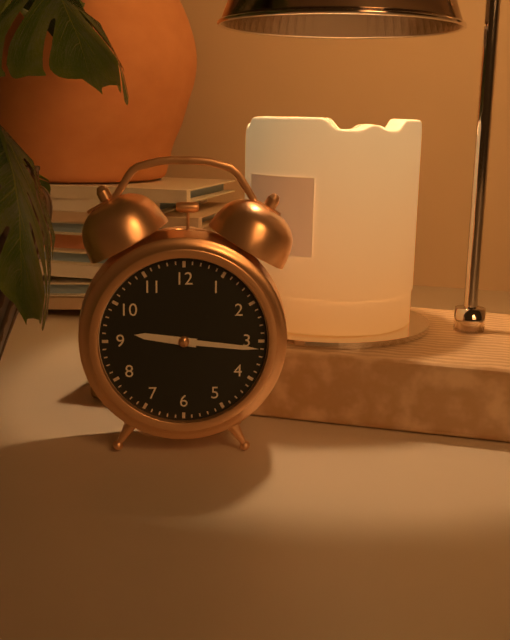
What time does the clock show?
9:16
